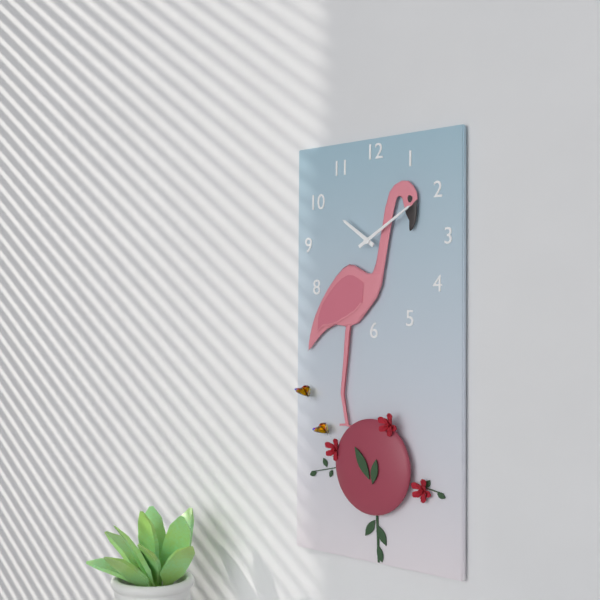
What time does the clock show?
10:10
